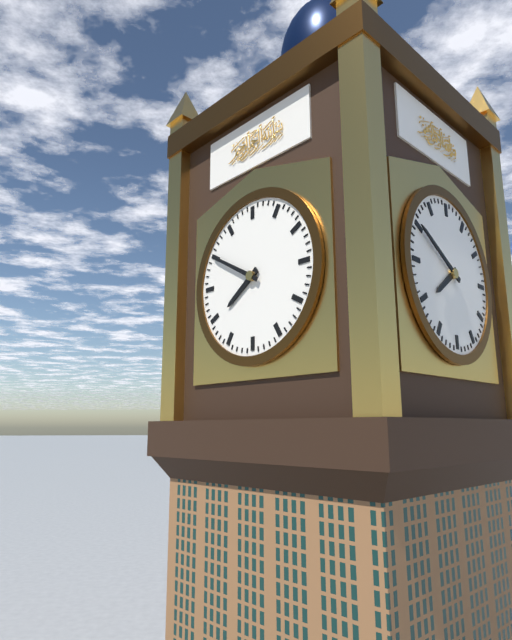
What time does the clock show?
7:50
